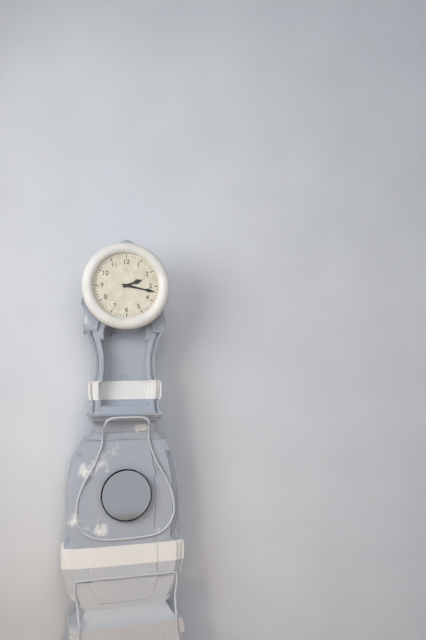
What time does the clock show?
2:17
